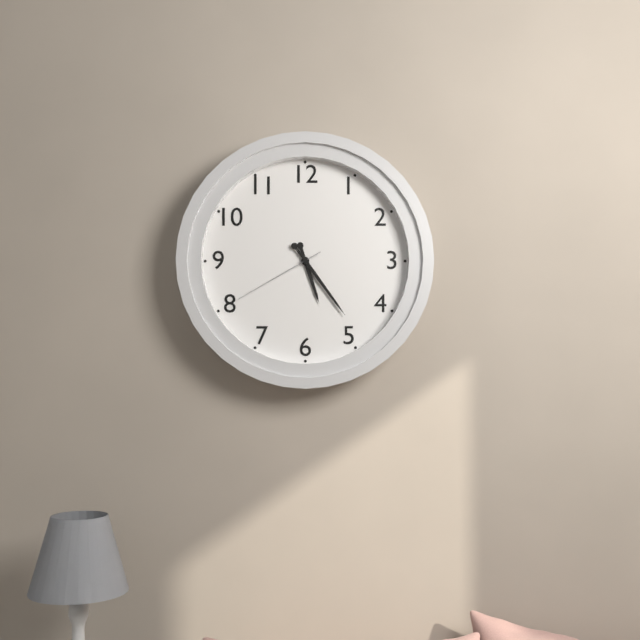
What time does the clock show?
5:24:40
